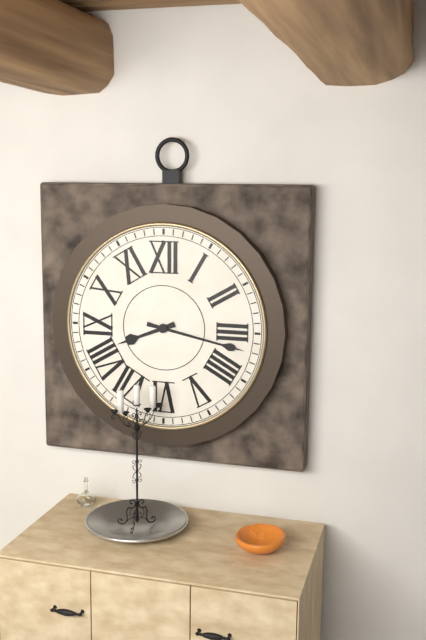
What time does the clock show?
8:17
